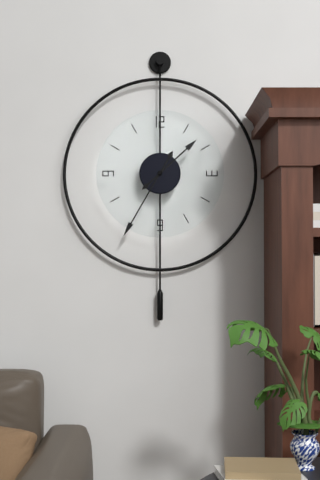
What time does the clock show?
1:35
